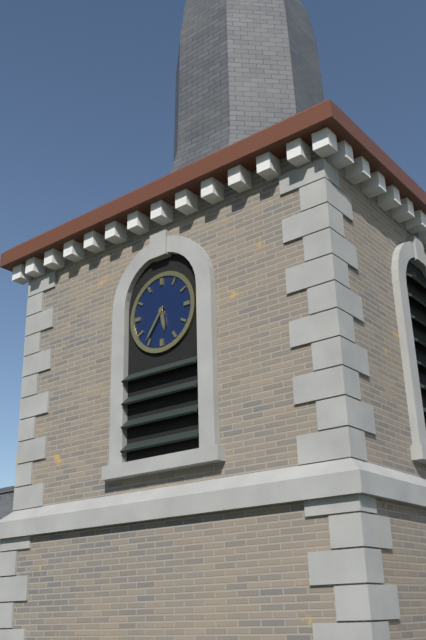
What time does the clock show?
5:36
